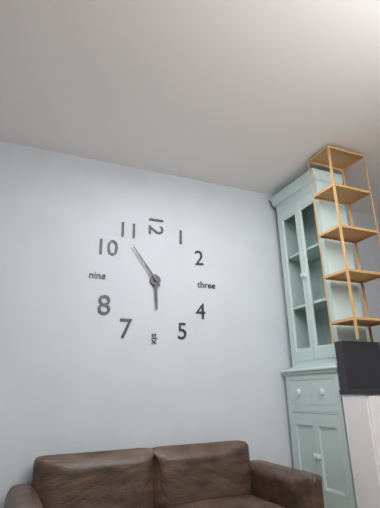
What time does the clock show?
5:54
